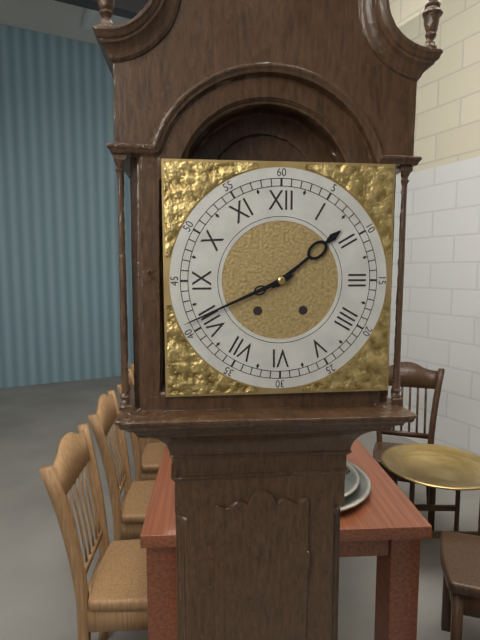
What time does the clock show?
1:41
